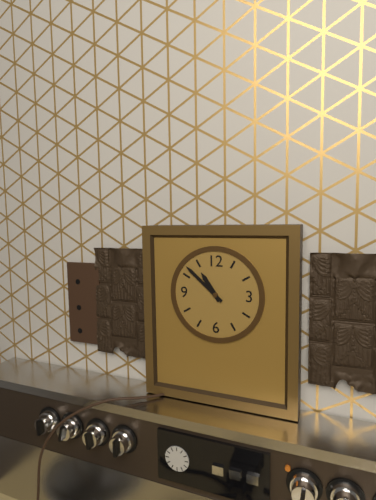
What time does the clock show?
10:52
